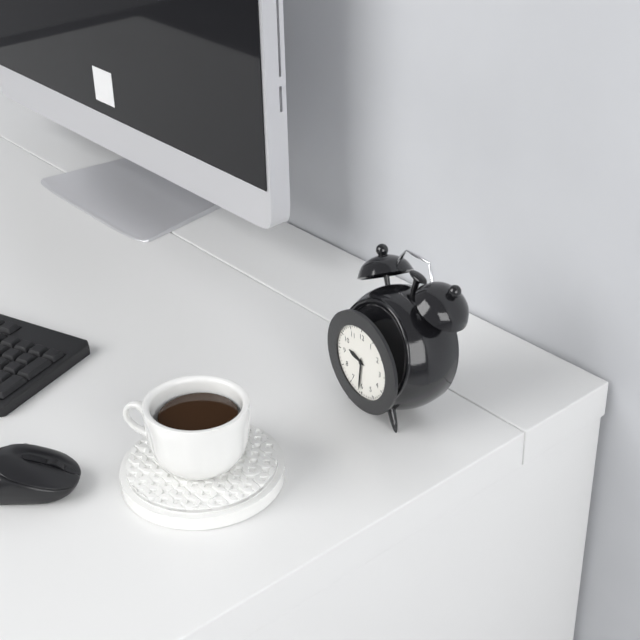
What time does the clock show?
9:31
